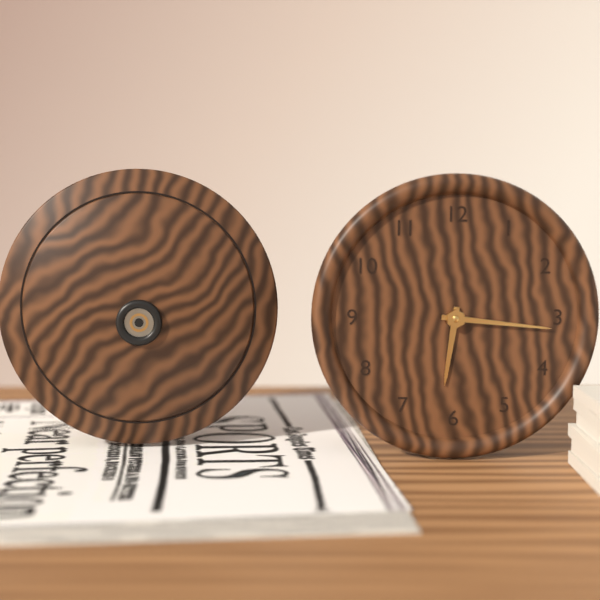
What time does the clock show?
6:16
